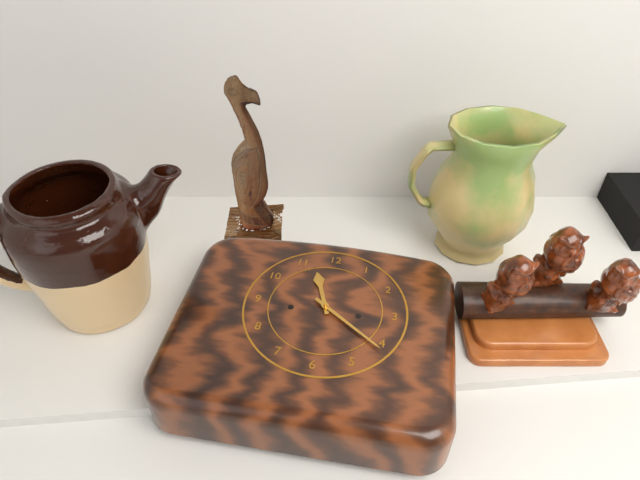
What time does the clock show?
11:21
